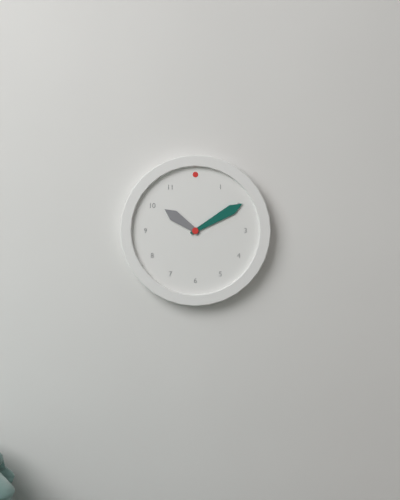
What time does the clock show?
10:10
